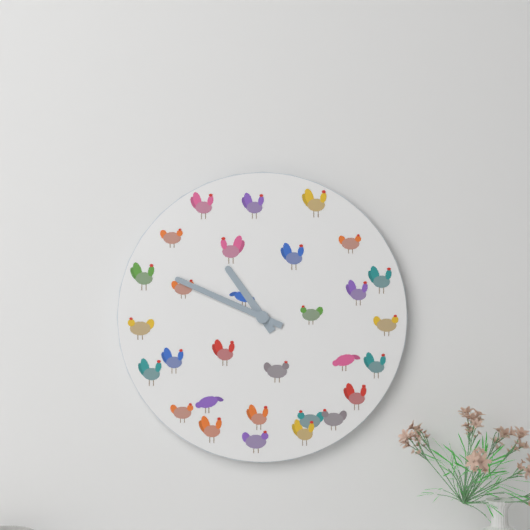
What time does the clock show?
10:49
